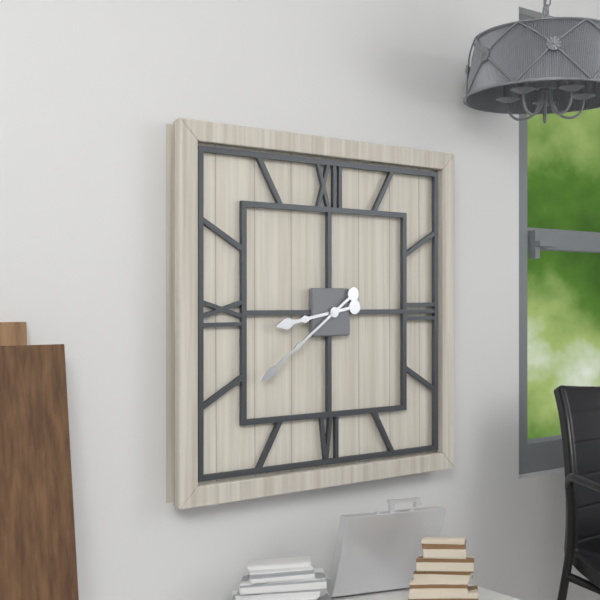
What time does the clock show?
8:39
